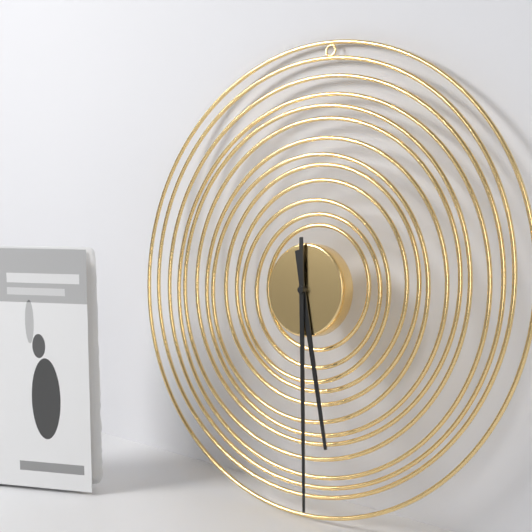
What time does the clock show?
5:29
